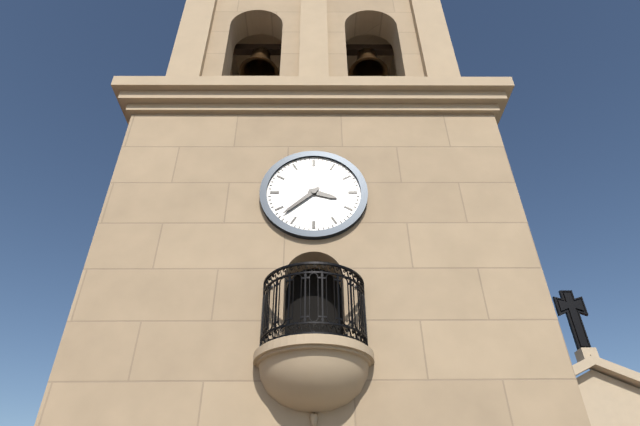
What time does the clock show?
3:38
